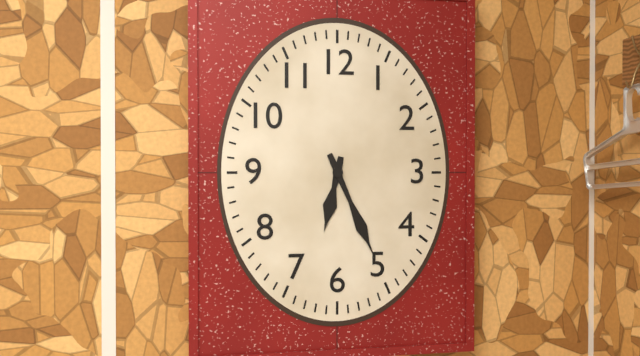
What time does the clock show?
6:26
